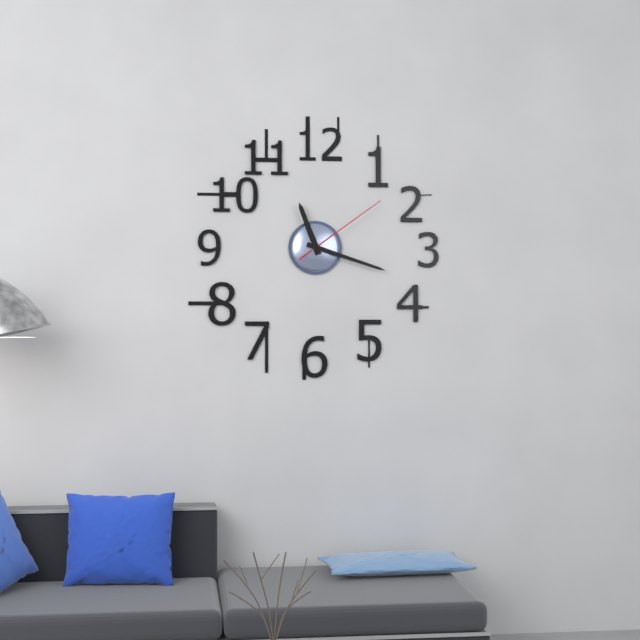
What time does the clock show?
11:18:09
